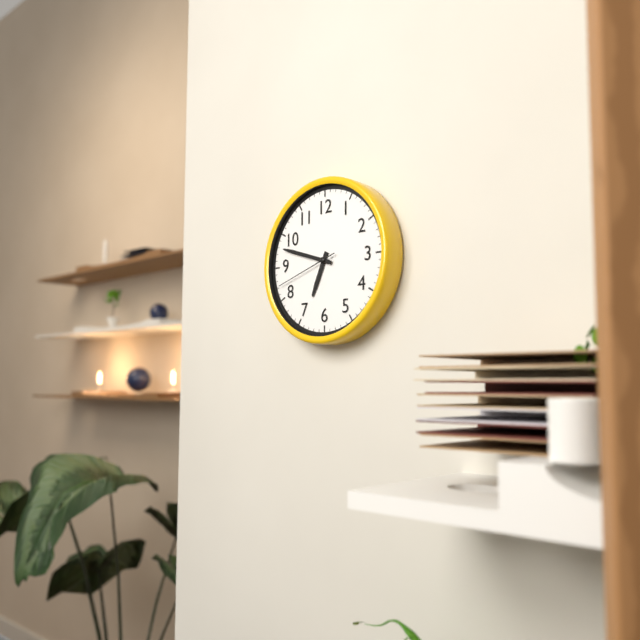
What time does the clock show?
6:48:42
